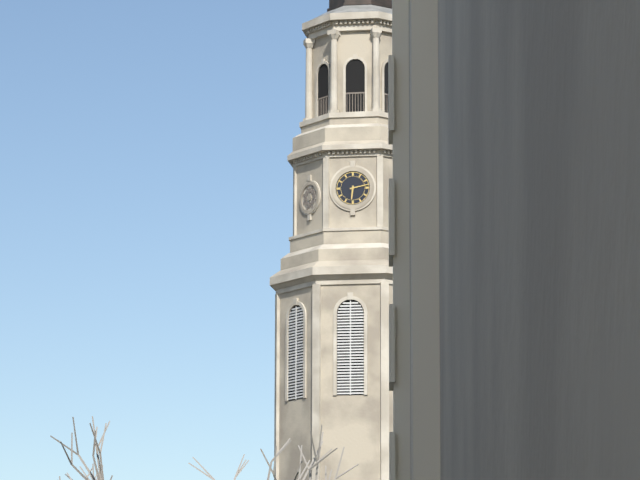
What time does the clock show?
6:13
